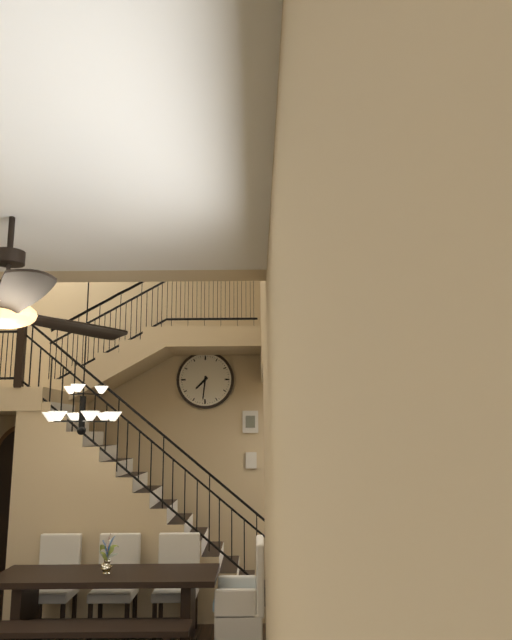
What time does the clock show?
7:31
